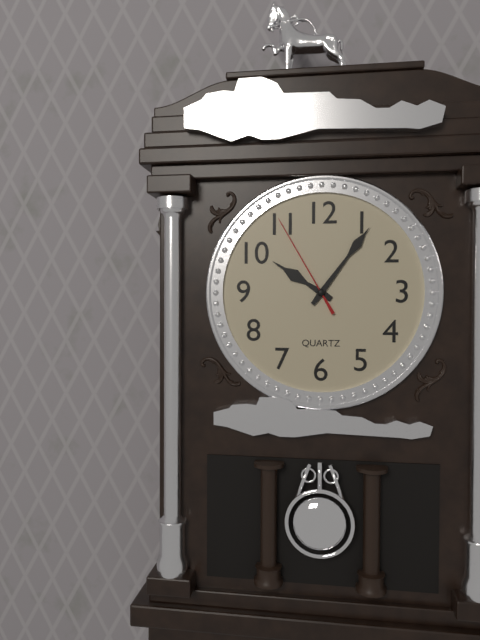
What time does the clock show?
10:06:55
